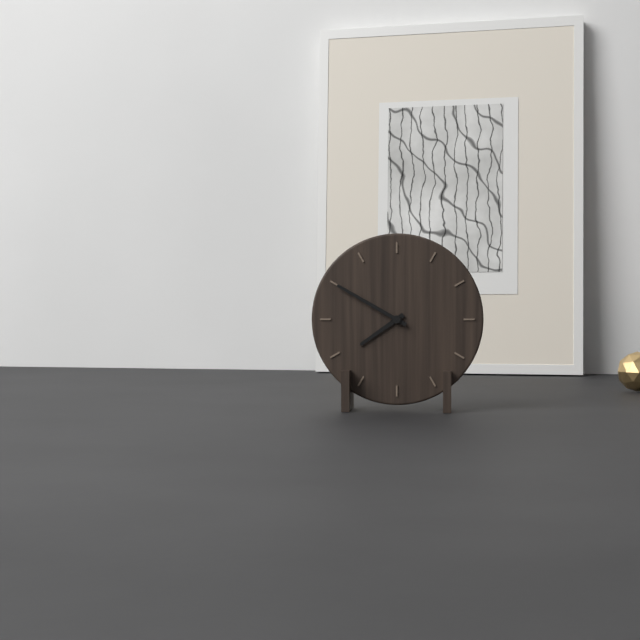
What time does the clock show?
7:50
